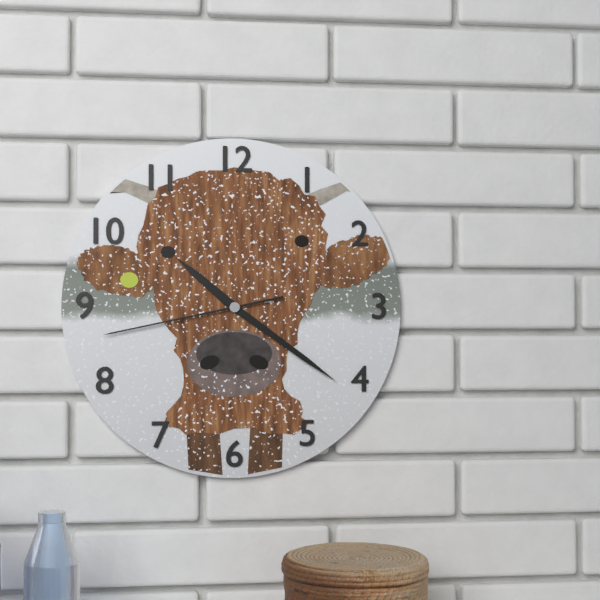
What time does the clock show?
10:21:43
